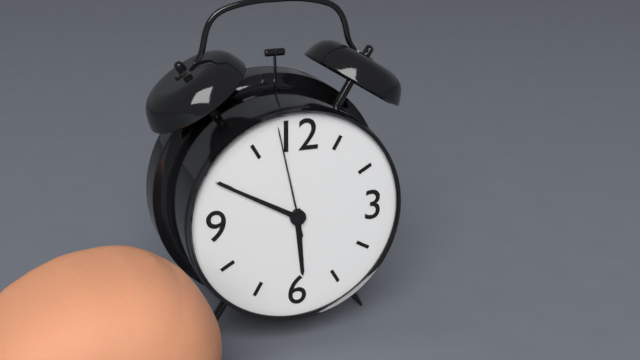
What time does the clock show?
5:50:58
